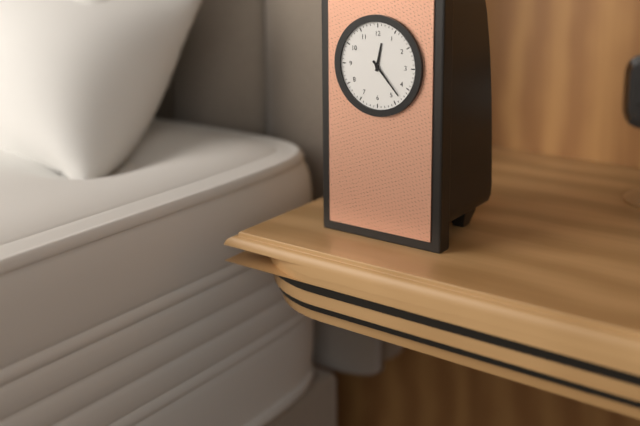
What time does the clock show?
12:23
